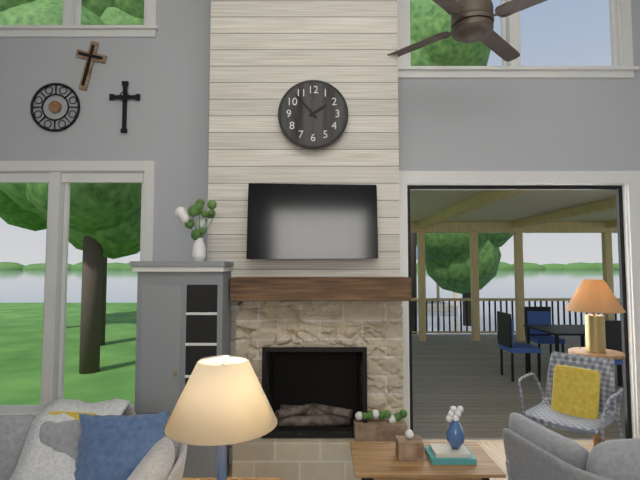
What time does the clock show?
1:53
